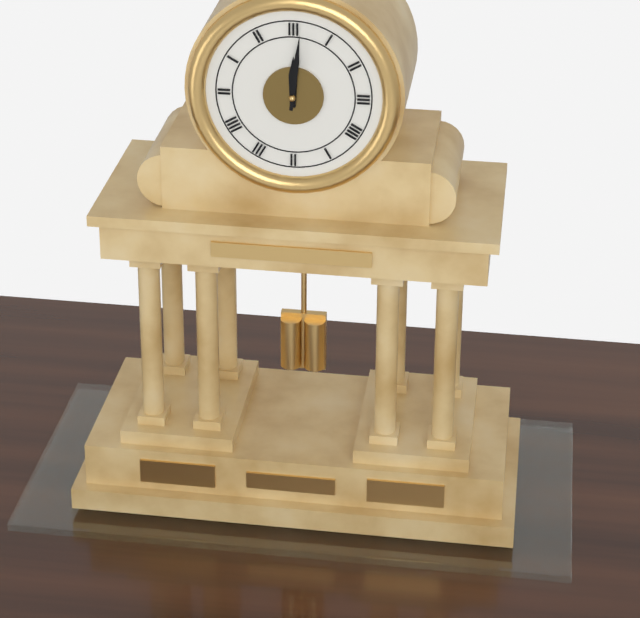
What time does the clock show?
12:01
